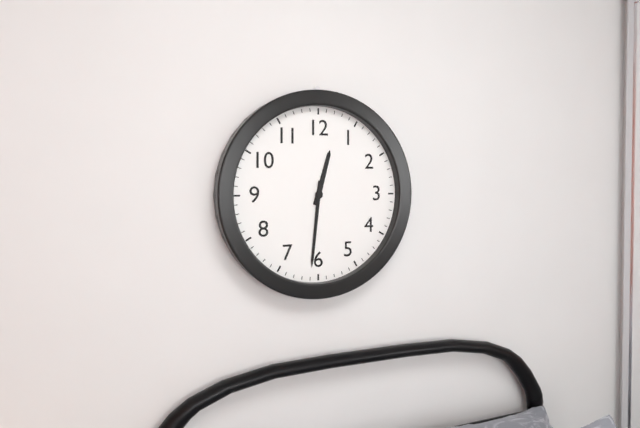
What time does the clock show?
12:31
